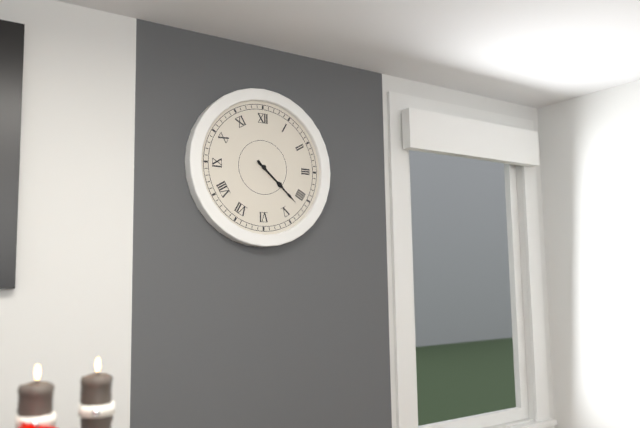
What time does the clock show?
4:22
